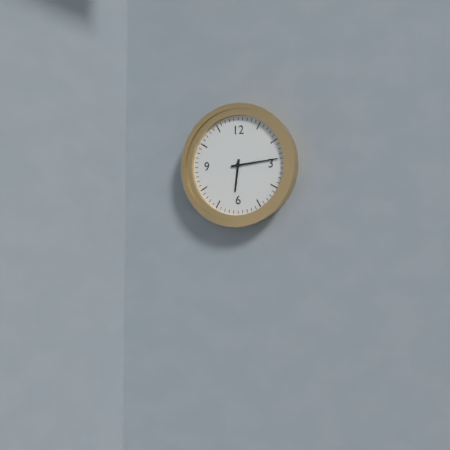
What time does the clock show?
6:14
